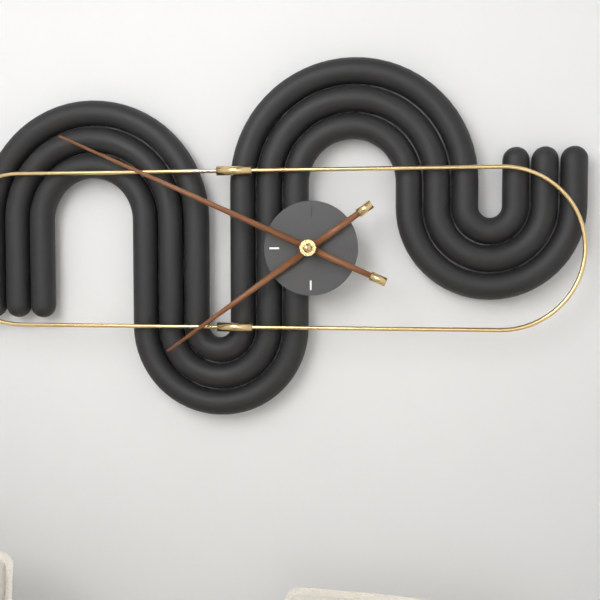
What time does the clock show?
7:49
